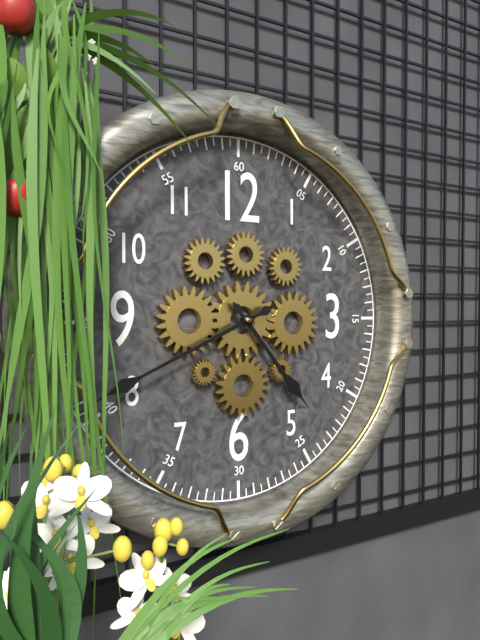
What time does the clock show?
4:41
